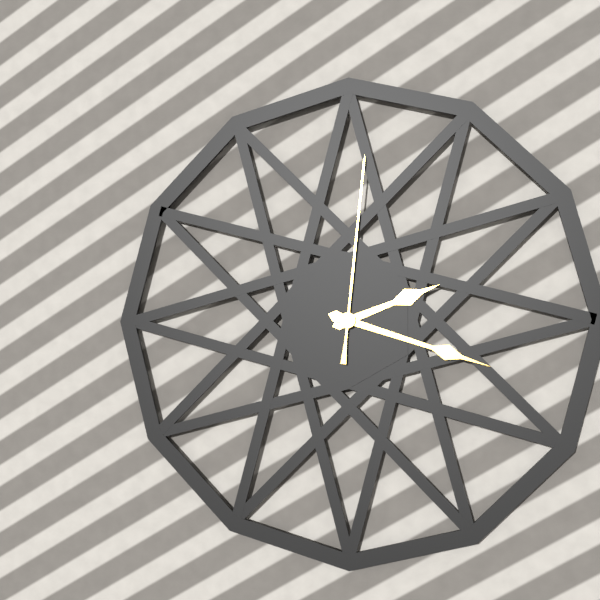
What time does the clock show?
2:18:01
